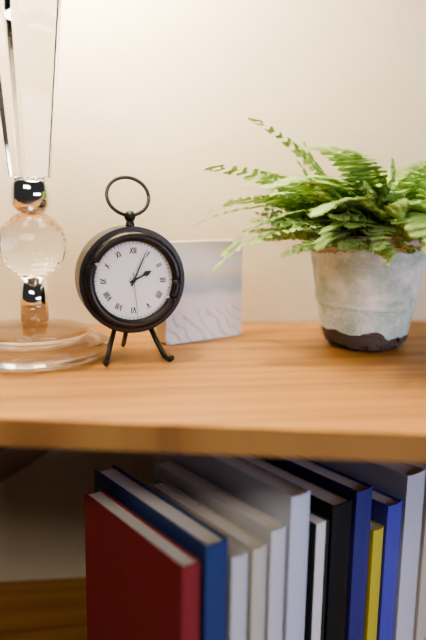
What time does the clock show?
2:04
